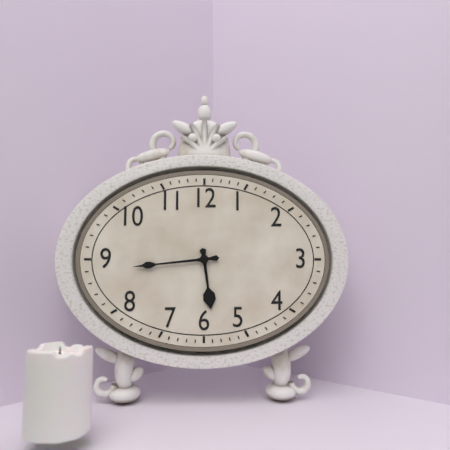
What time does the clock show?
5:44
